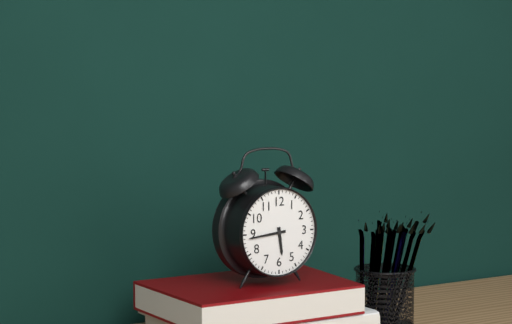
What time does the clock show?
5:44
